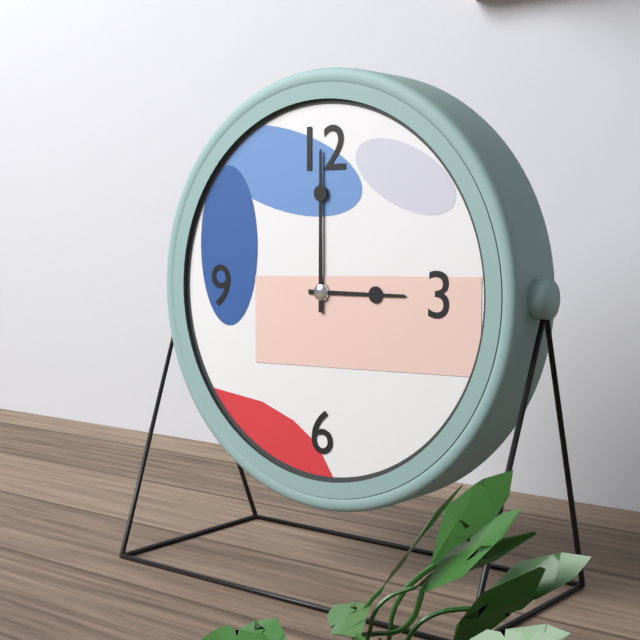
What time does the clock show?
3:00
